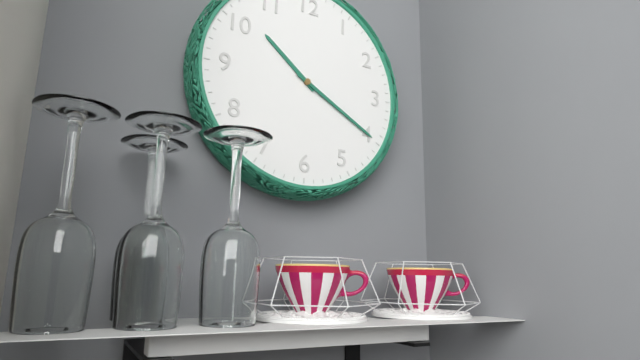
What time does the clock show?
10:20
